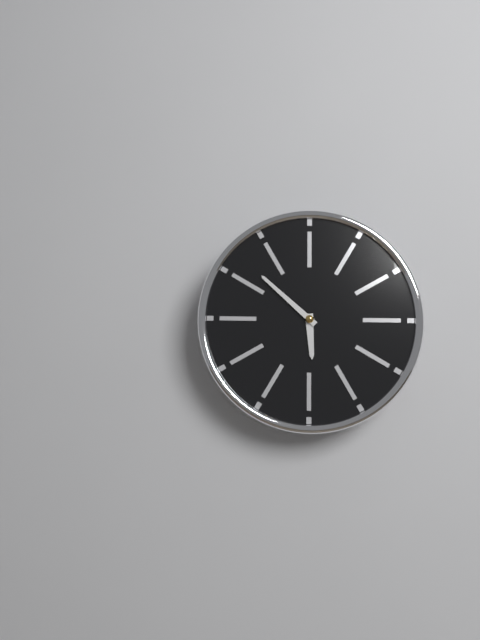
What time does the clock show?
5:52
